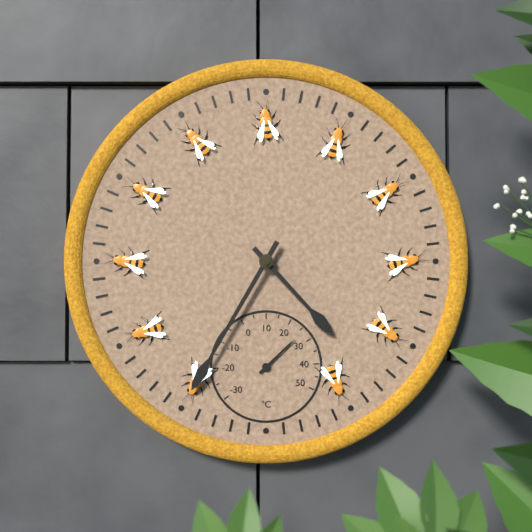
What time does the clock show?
4:35
